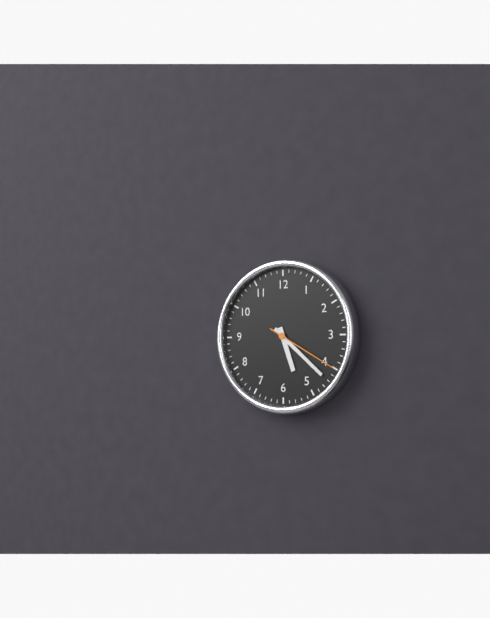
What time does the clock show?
5:22:20
